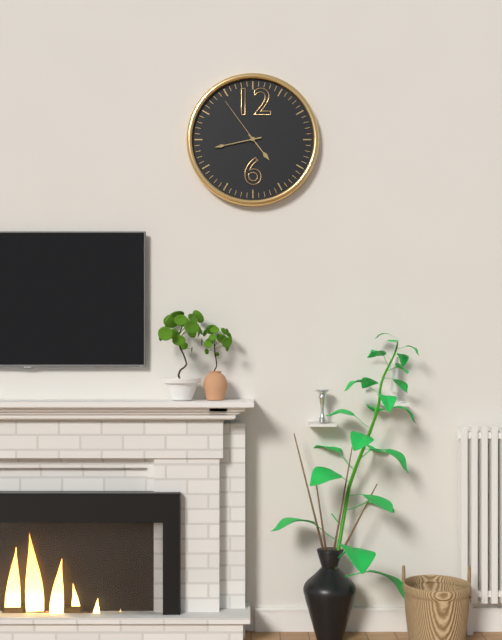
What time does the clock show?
4:43:54
